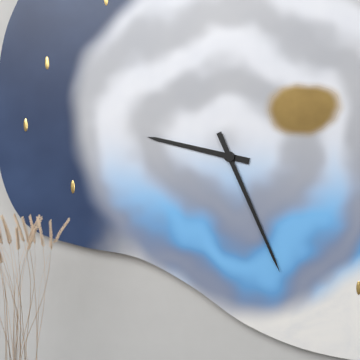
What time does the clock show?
9:26
